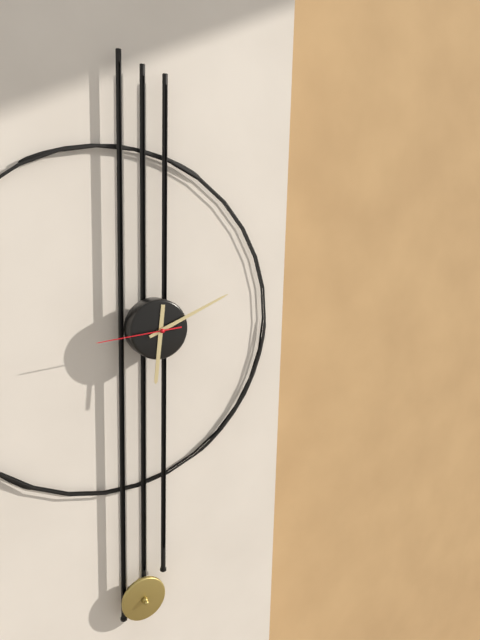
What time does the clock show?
6:11:44
